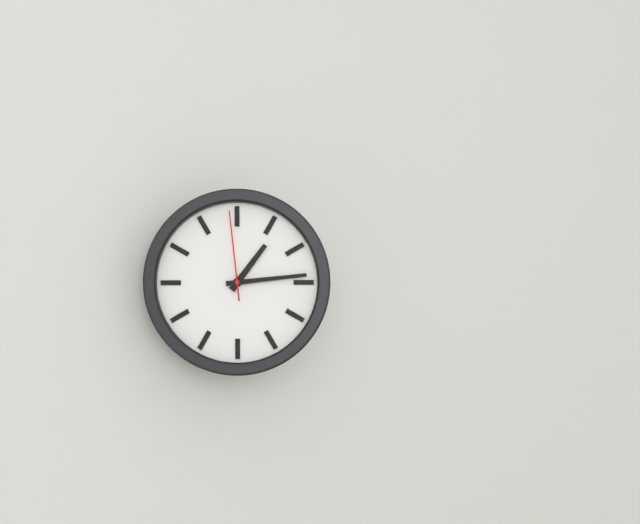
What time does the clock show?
1:14:59
